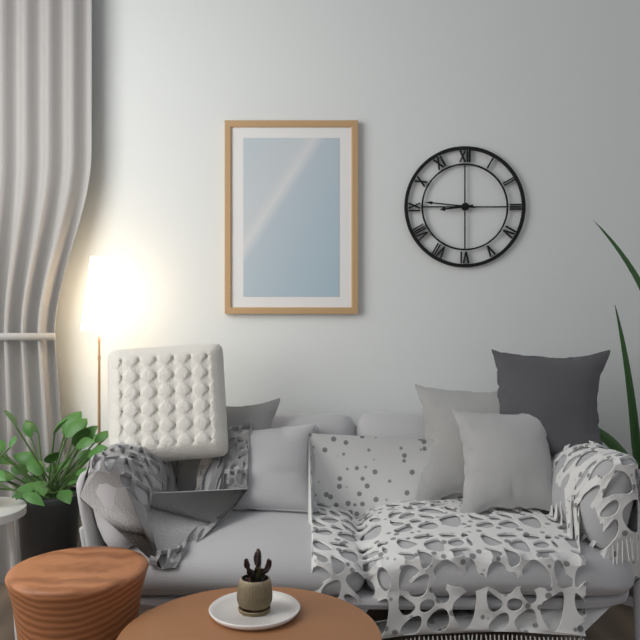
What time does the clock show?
8:46
